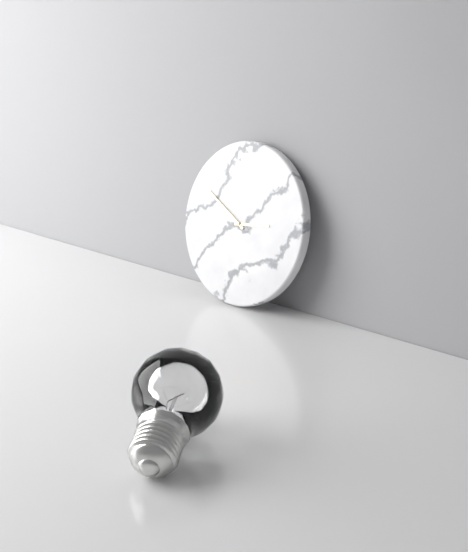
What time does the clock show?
2:50
